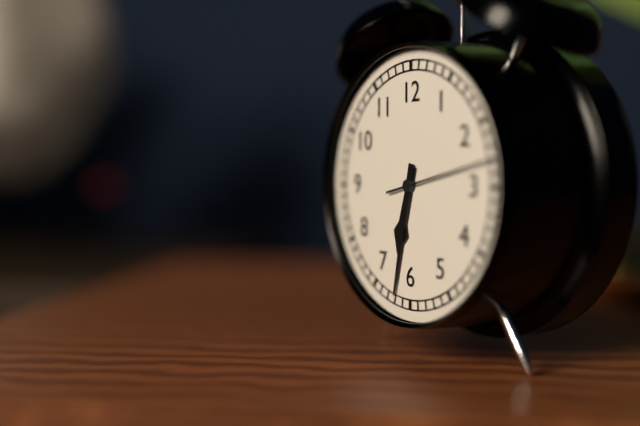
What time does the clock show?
6:32:13
